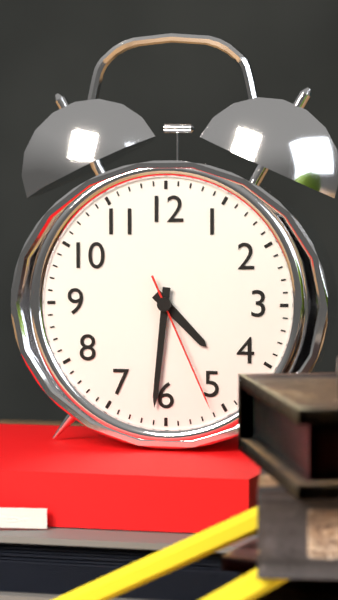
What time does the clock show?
4:31:26
